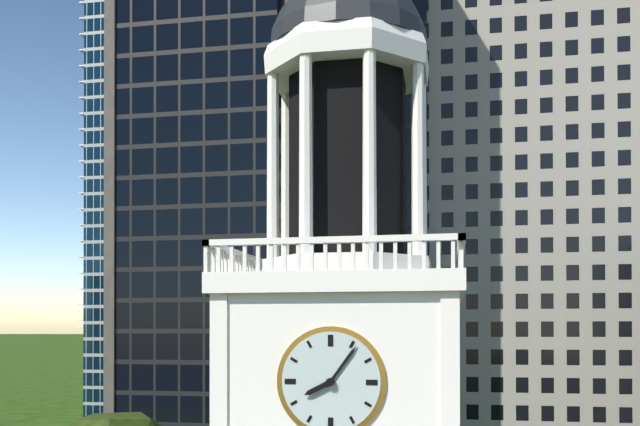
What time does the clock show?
8:06
